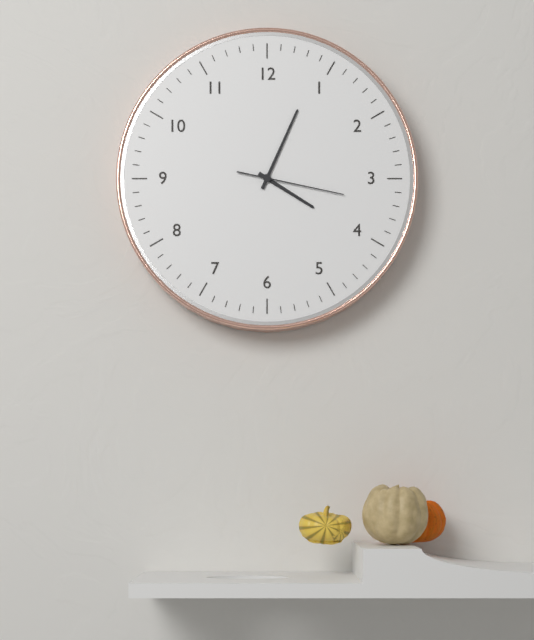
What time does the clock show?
4:04:17
